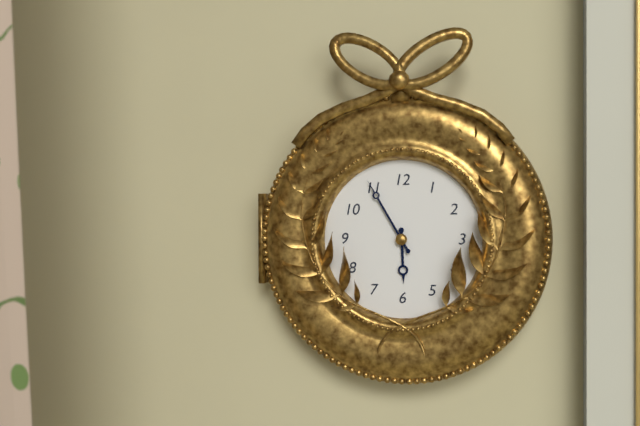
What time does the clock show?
5:55
